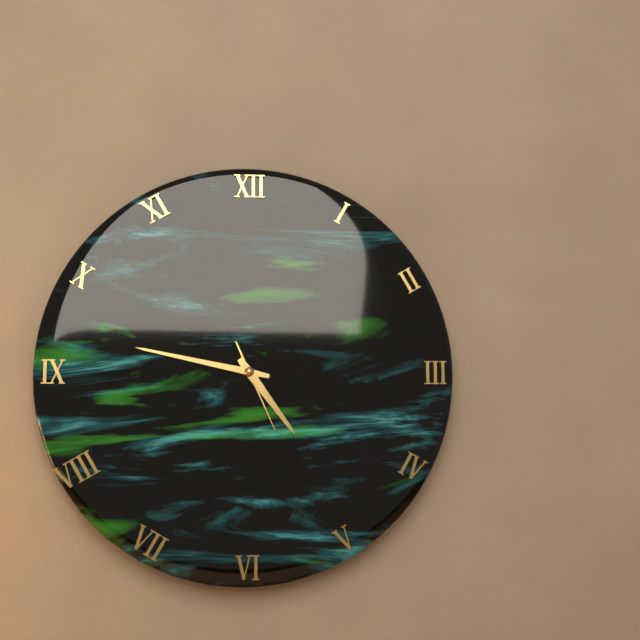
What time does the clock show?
4:47:26
